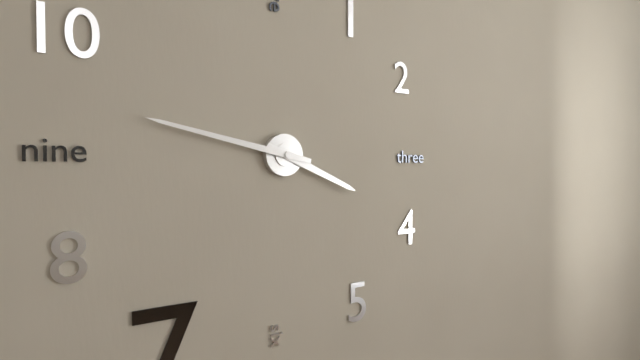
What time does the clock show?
3:47
